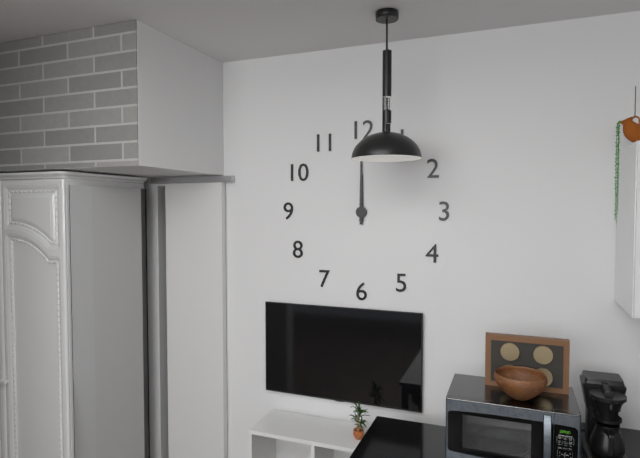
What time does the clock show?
12:00
